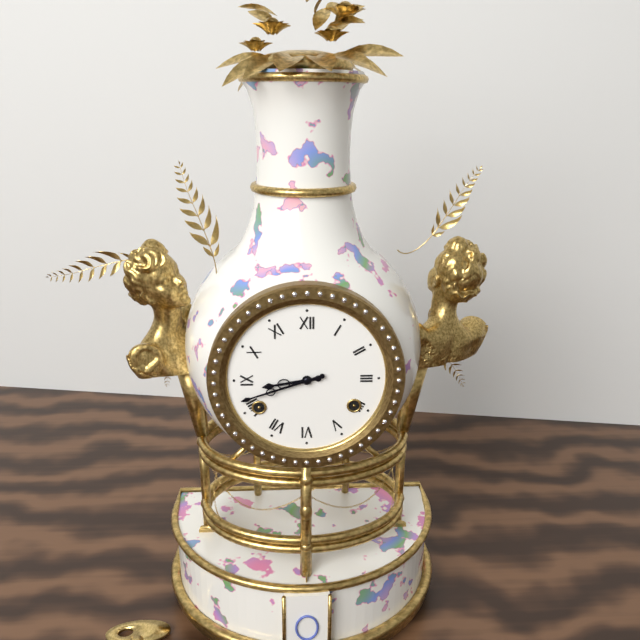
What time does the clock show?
8:42
